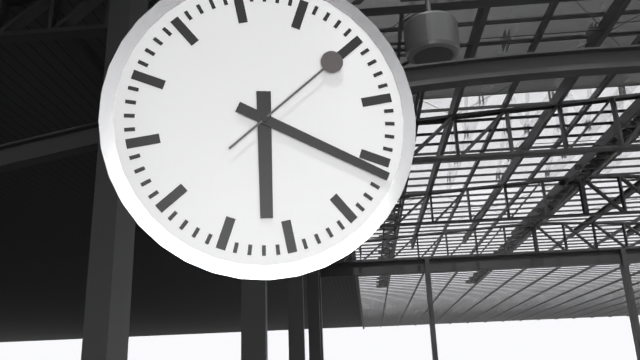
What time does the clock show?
6:21:10
